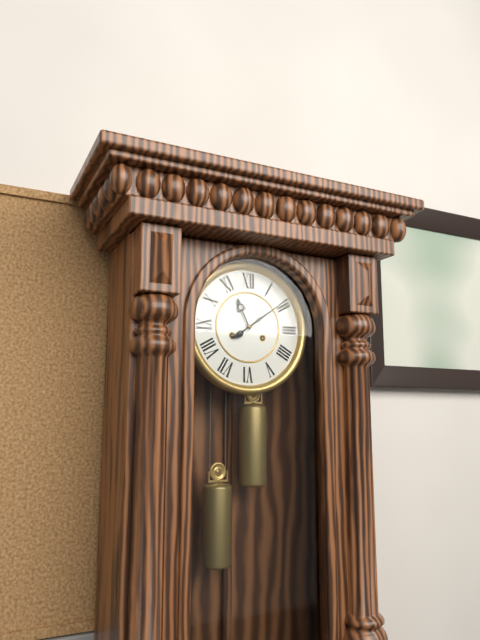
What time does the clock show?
11:09
